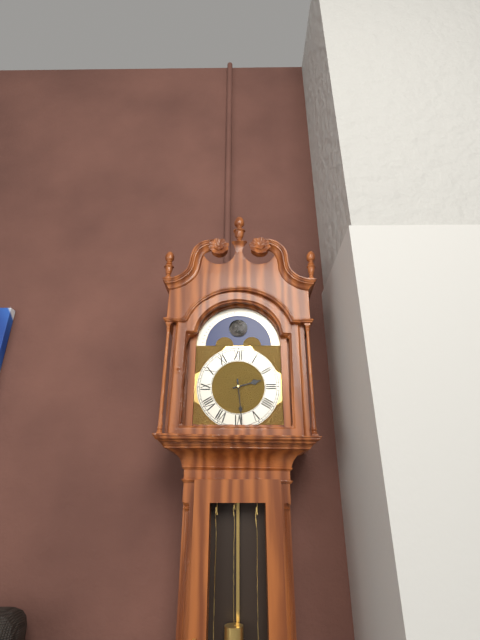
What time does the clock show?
2:29
